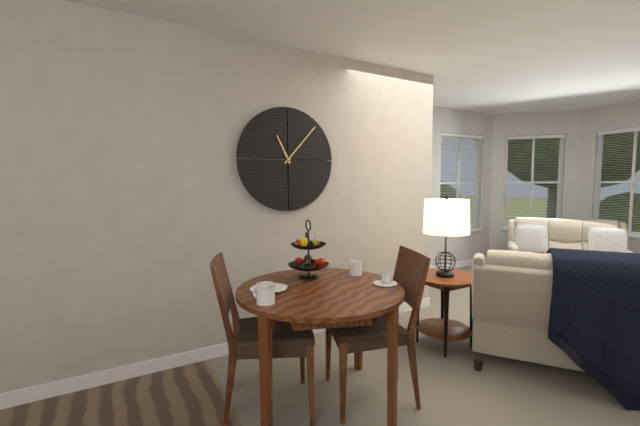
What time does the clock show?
11:07
